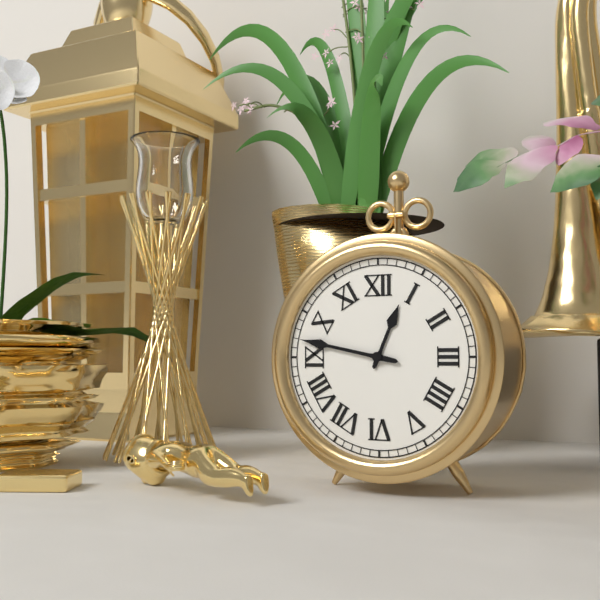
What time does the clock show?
12:47
